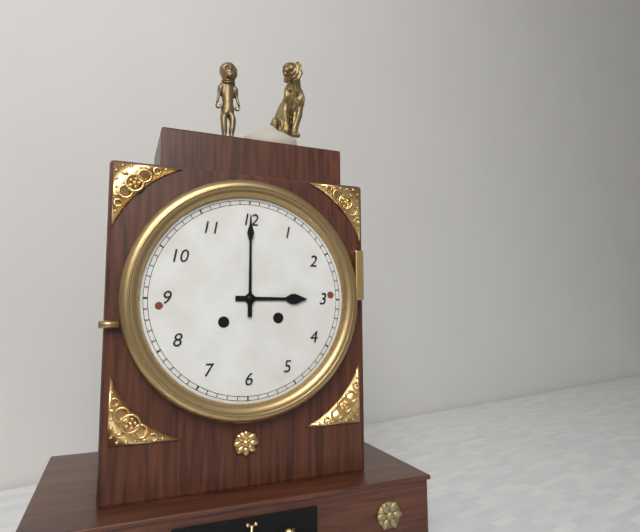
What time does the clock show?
3:00
